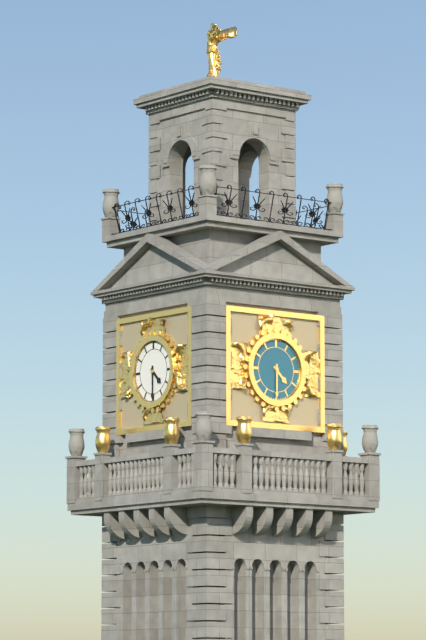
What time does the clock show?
4:30
